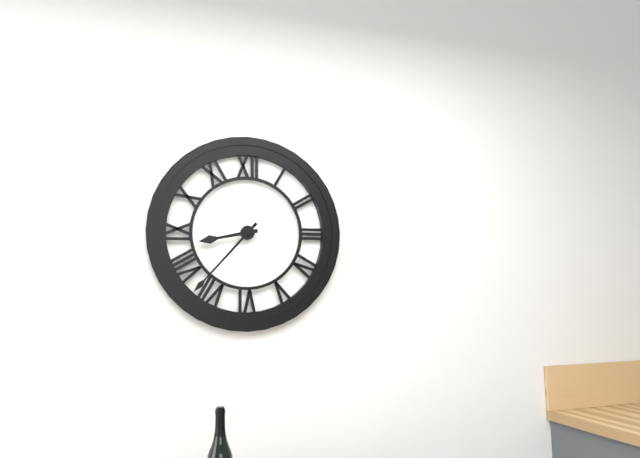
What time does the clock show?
8:37
